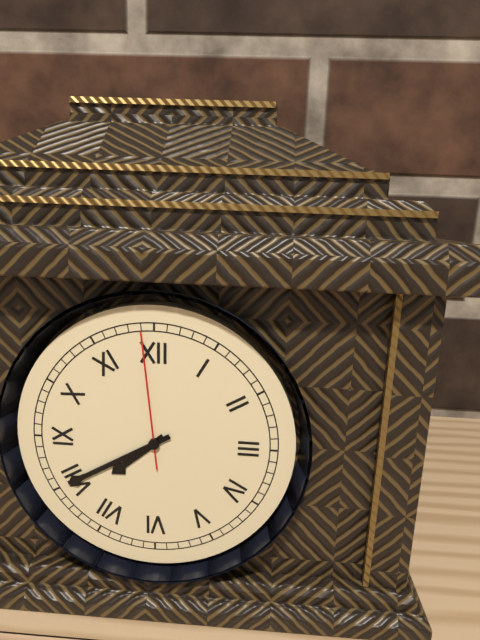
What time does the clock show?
7:40:59
